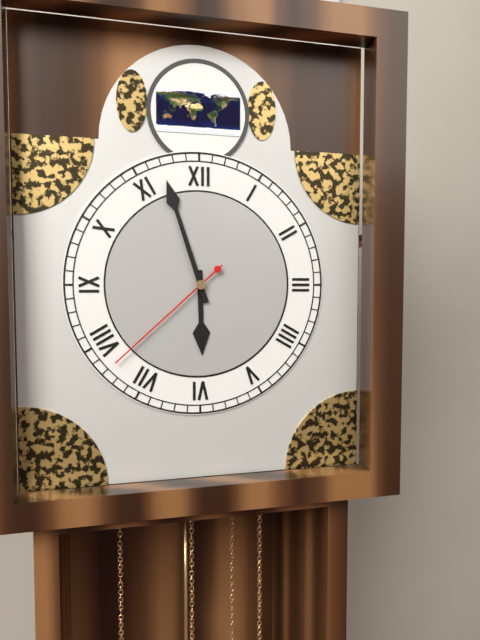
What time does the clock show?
5:57:38
